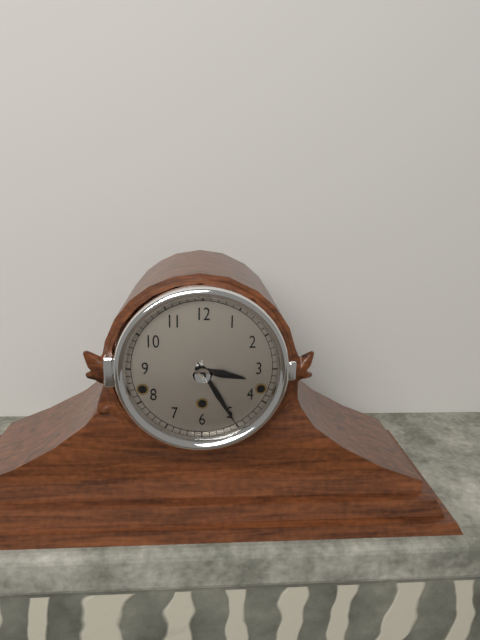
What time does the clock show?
3:25
